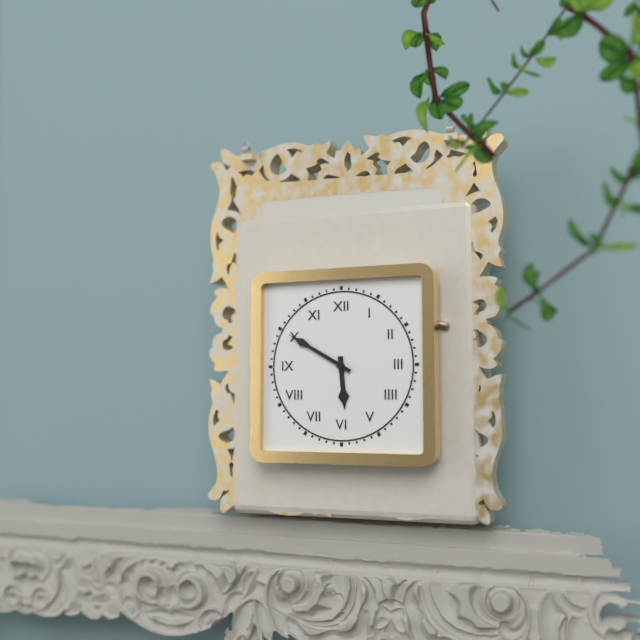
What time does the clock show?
5:50
